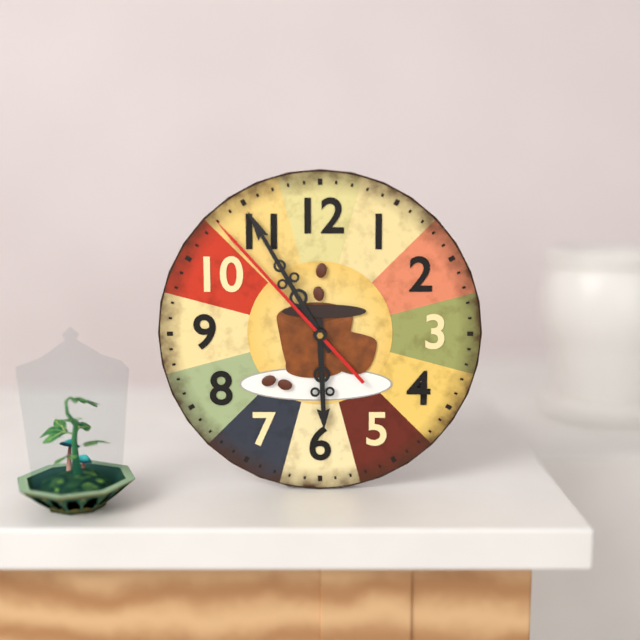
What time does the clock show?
5:55:53
